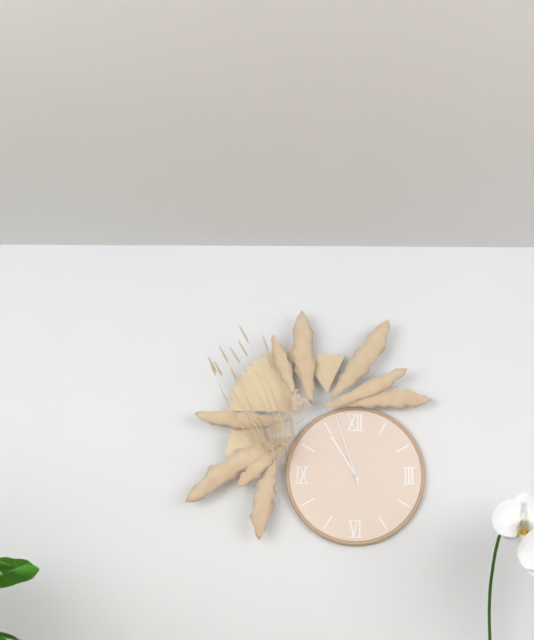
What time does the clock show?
10:57
